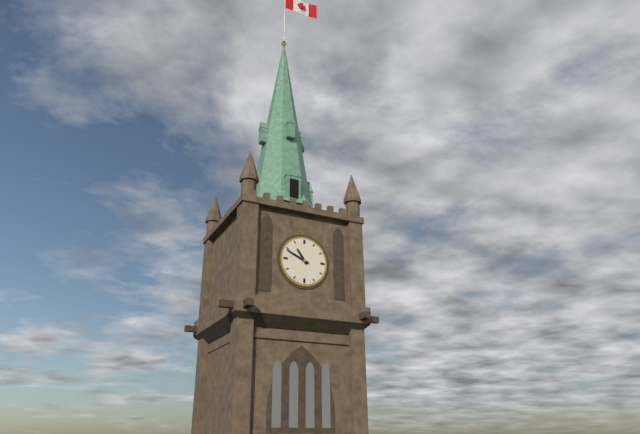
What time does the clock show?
10:49
